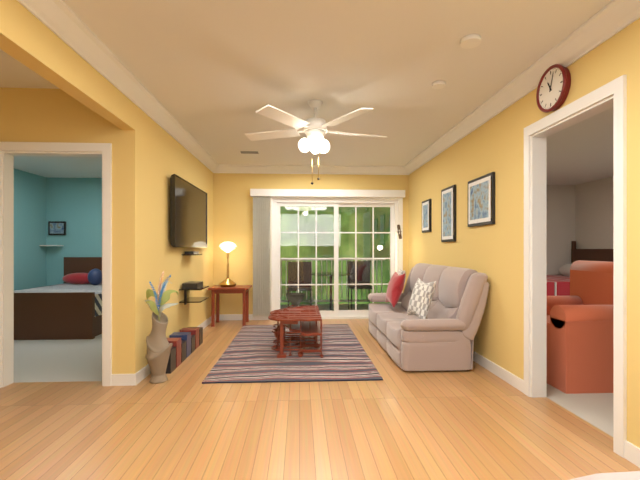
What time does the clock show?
11:03
